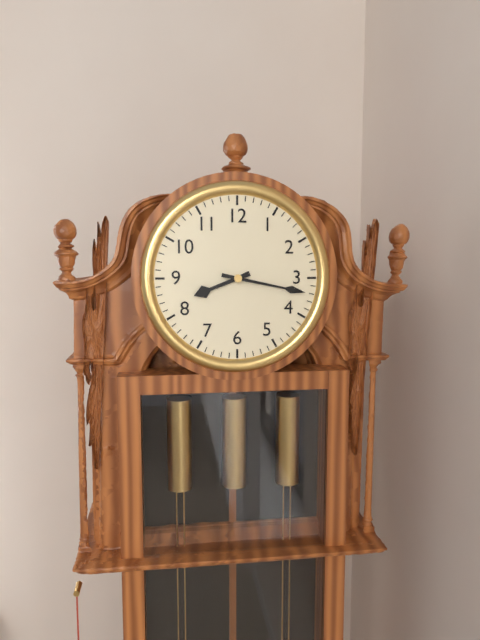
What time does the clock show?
8:17
